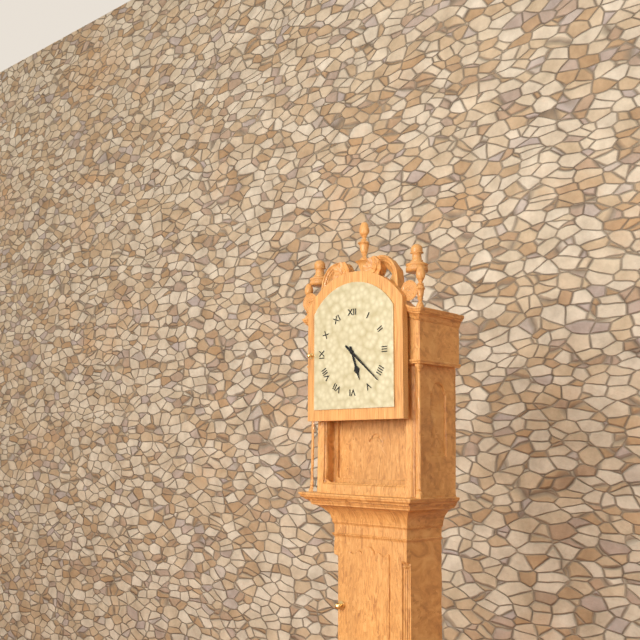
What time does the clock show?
5:22
